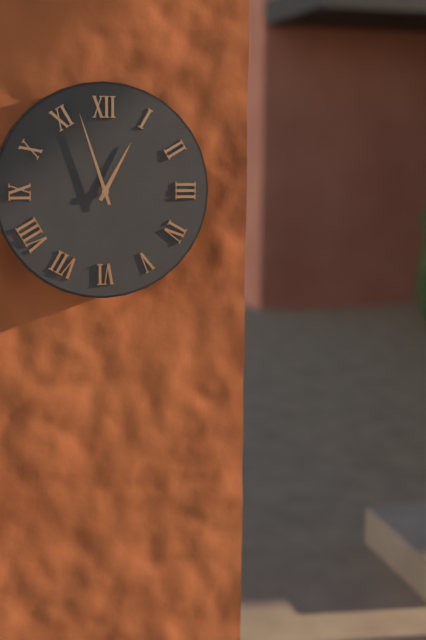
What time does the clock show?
12:57
